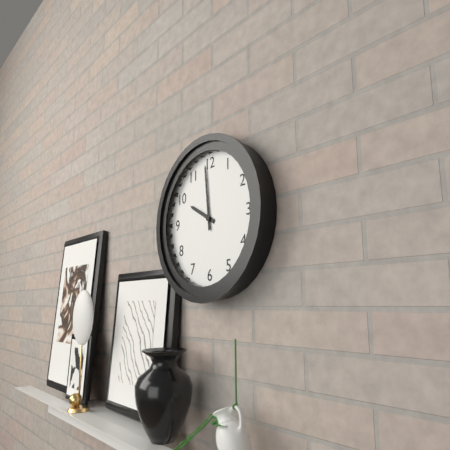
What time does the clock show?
9:59
